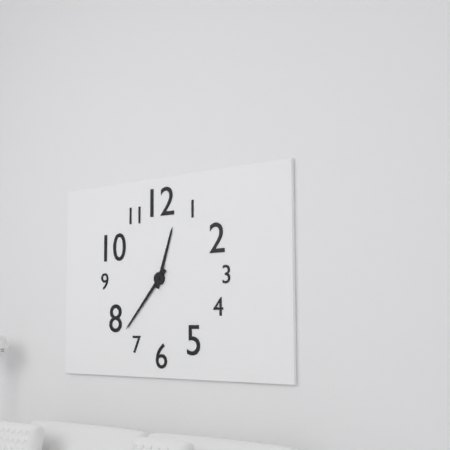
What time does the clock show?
12:37
